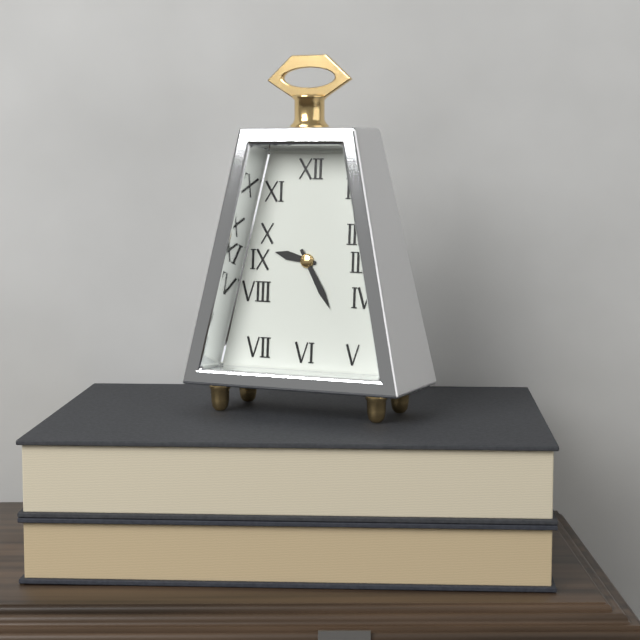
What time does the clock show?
9:25
